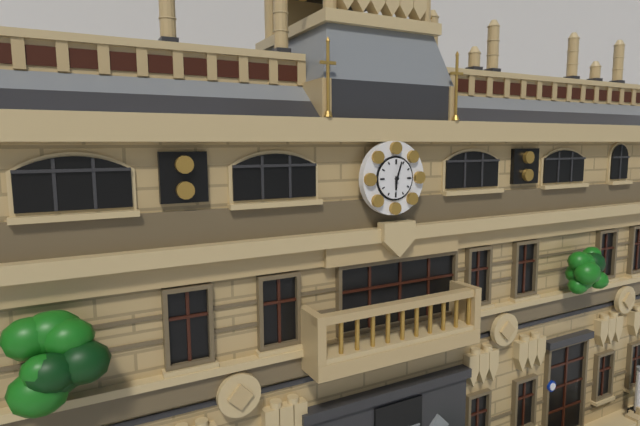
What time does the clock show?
6:03
